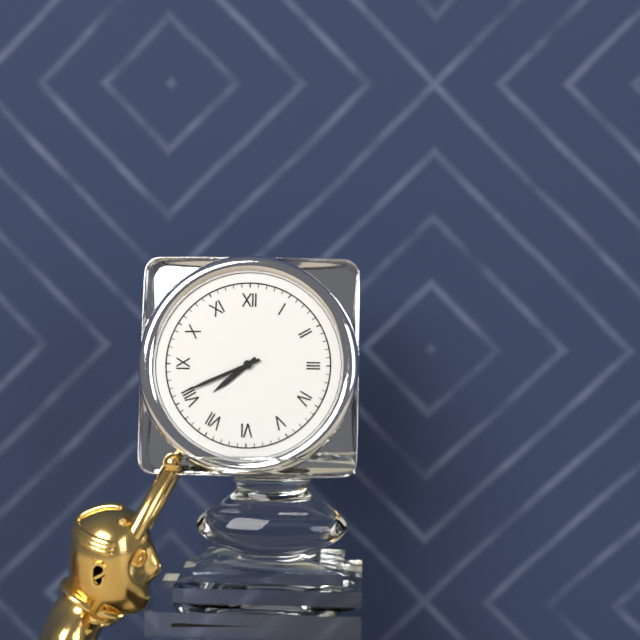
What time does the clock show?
7:41
